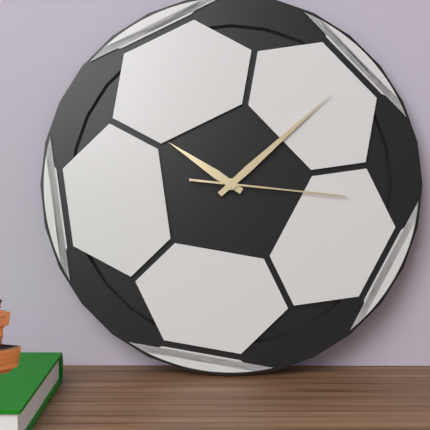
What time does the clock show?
10:08:16
